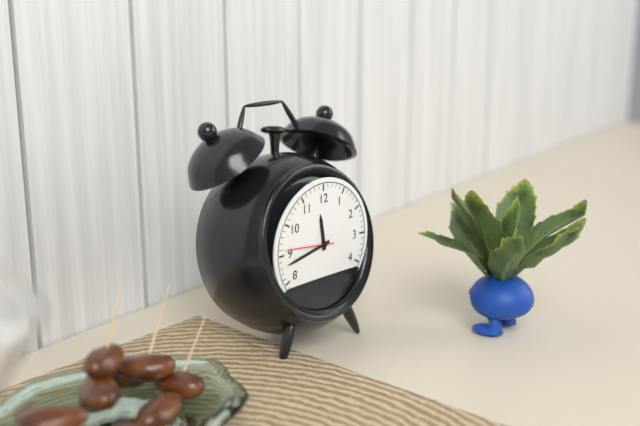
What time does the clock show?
11:43:46
